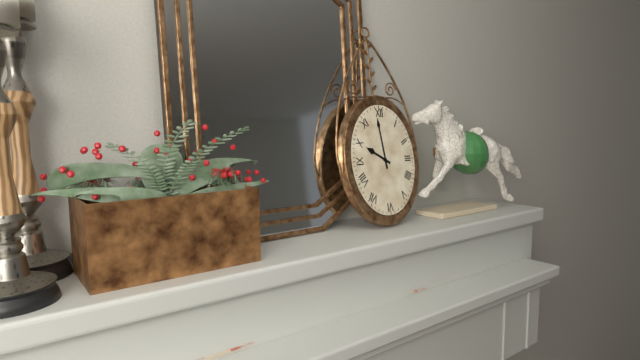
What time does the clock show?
9:59
